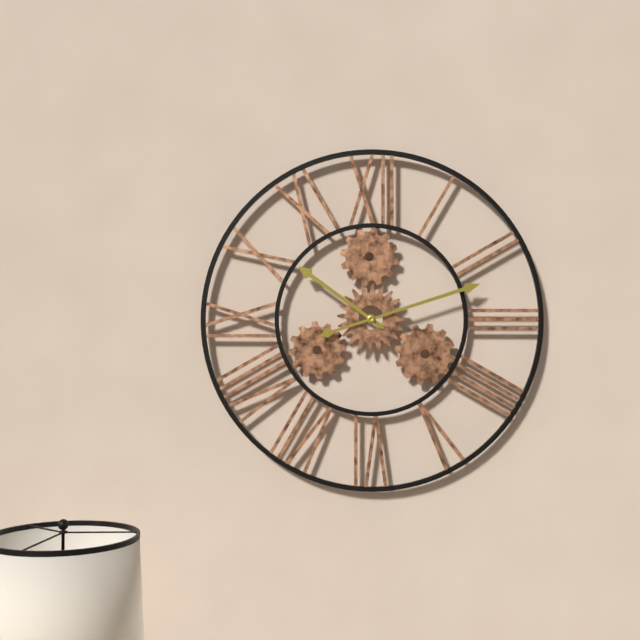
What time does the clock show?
10:12
